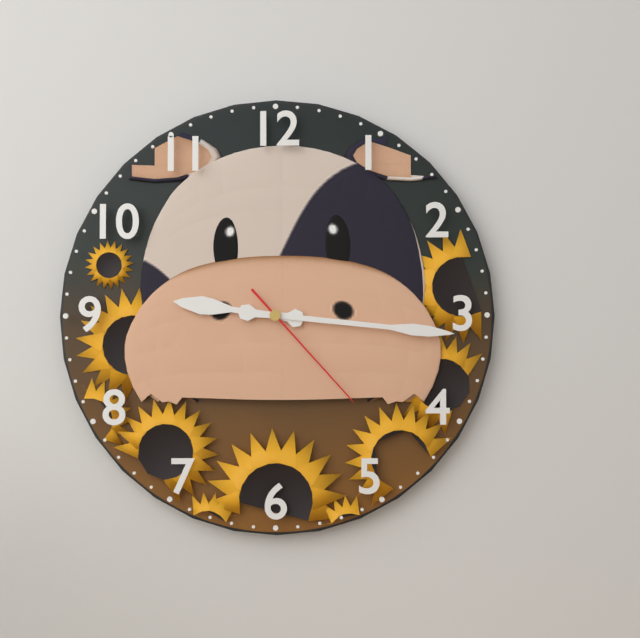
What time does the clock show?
9:16:23
